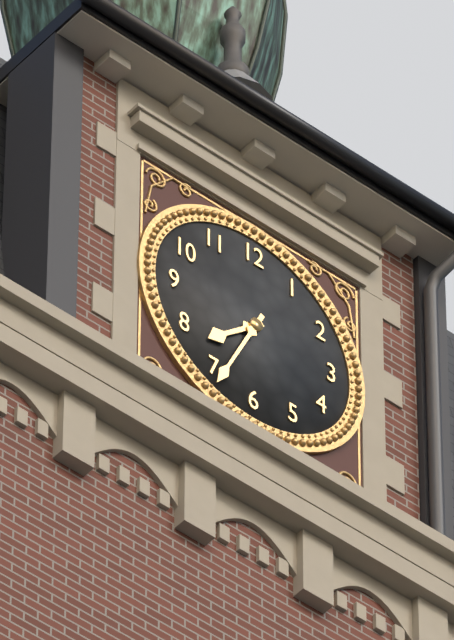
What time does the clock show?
7:34
